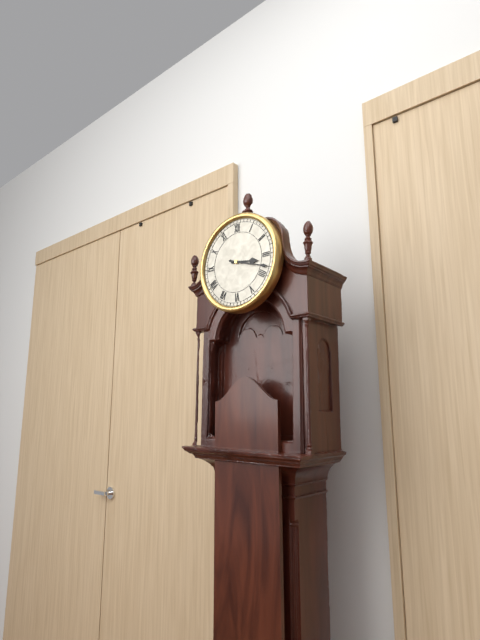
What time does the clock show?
3:18
